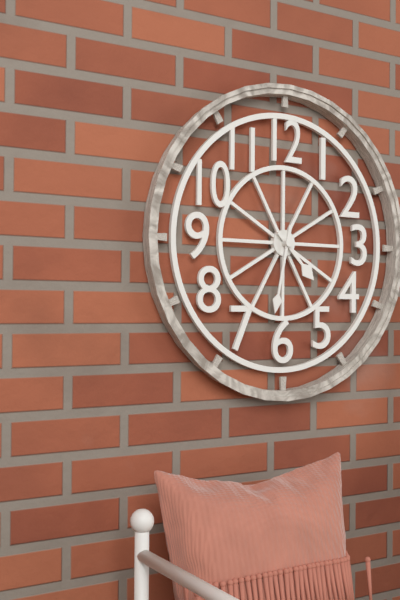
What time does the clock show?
4:32
